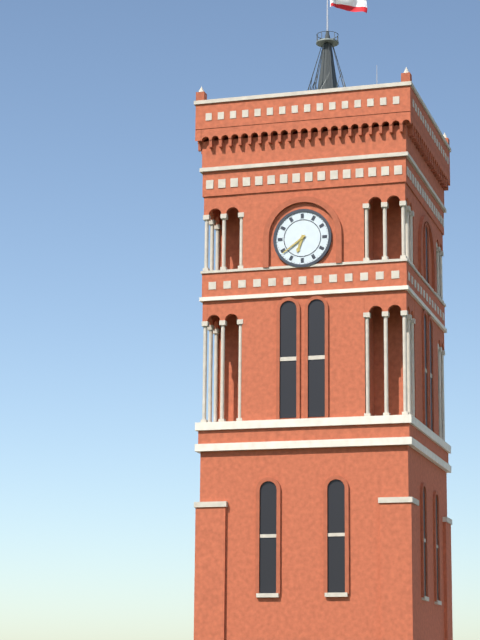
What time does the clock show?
6:39
